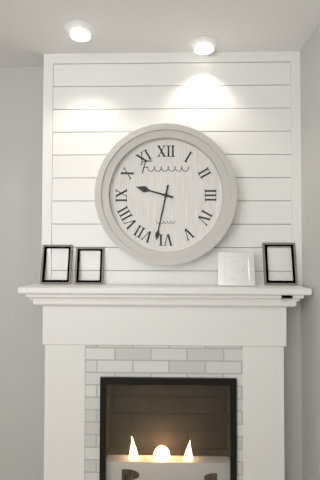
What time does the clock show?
9:32
